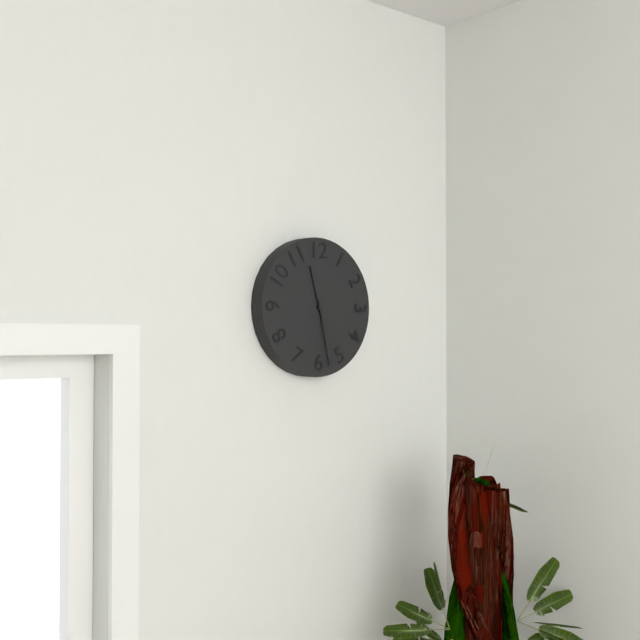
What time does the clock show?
11:28
